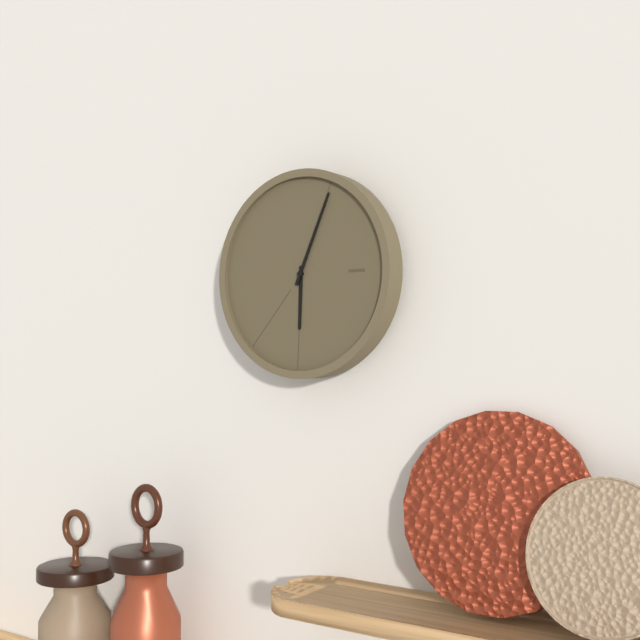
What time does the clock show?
6:04
